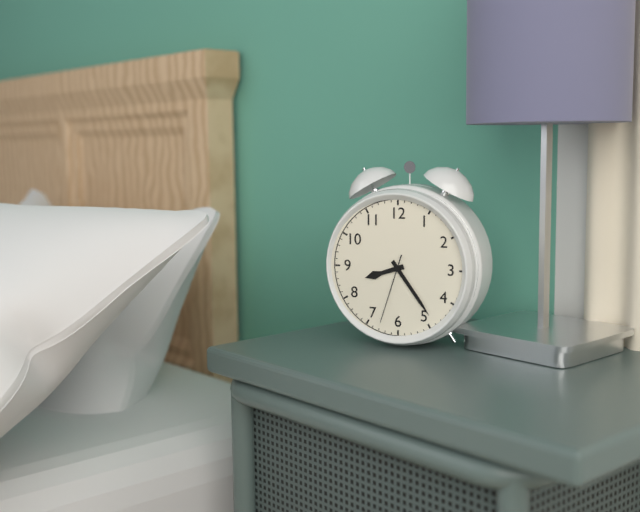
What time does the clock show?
8:24:33
